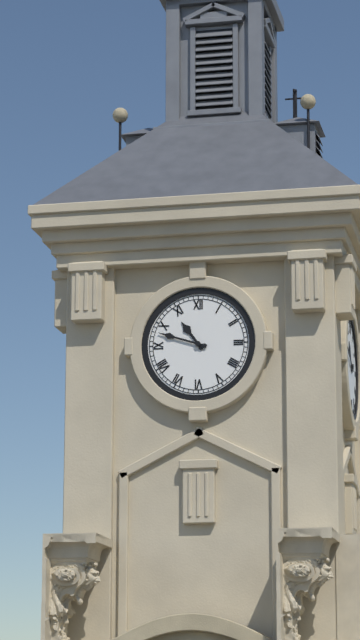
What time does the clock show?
10:48
